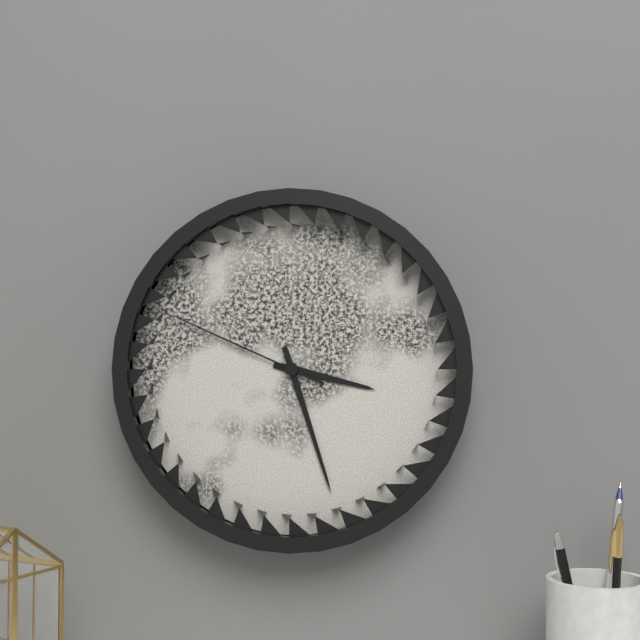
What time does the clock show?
3:27:49
